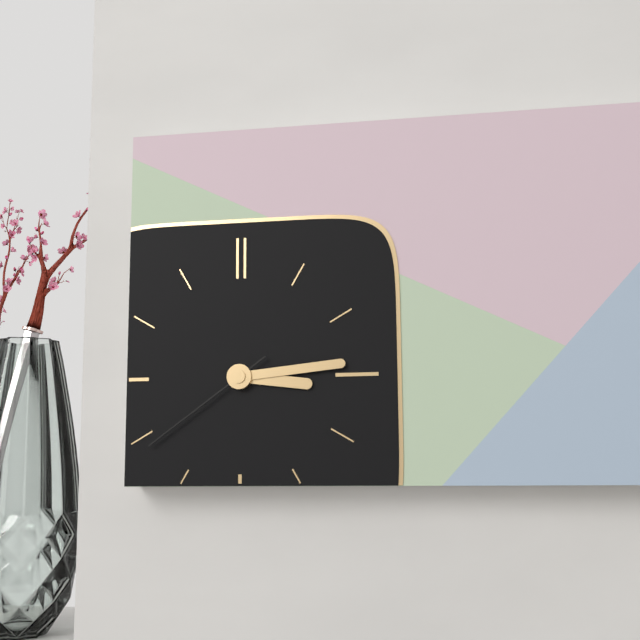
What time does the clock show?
3:14:39
